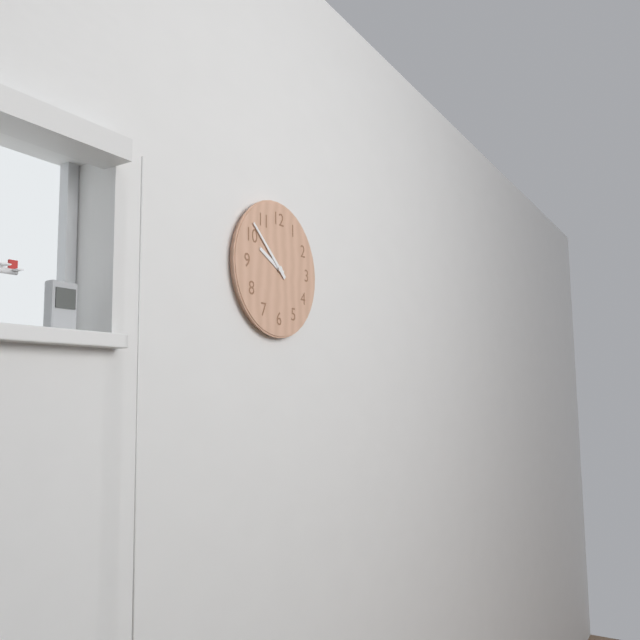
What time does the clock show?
9:52
